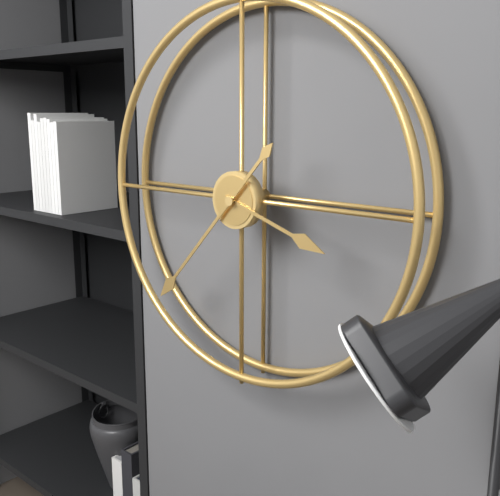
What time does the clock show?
3:37
